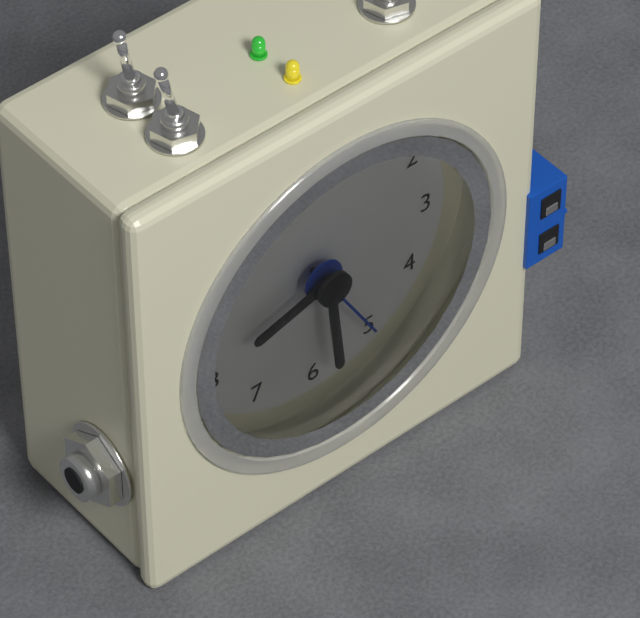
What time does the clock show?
8:29:25
